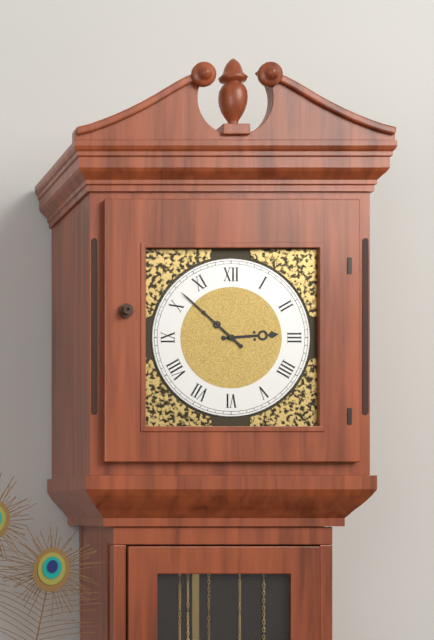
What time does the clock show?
2:52
